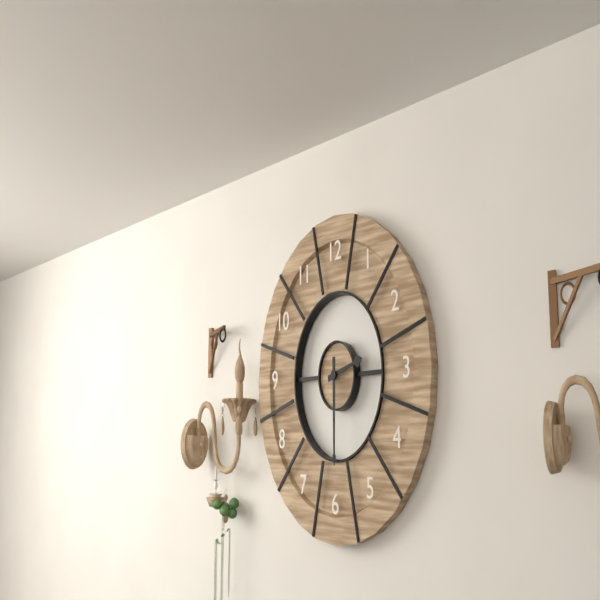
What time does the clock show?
2:30
